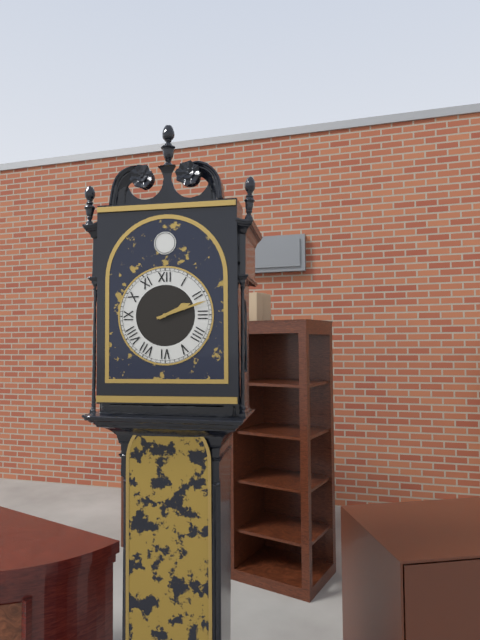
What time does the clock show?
2:12
